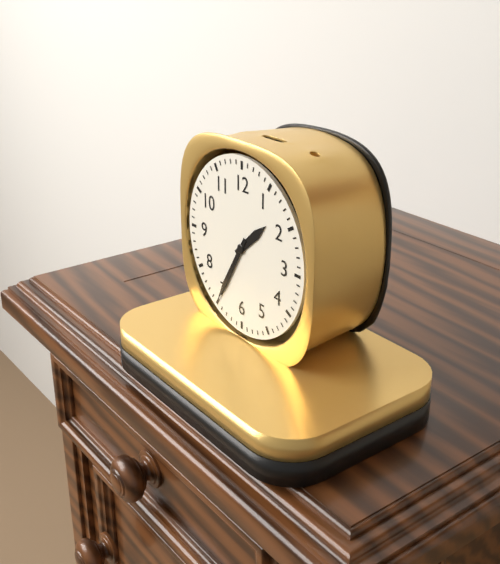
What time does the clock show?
1:35
